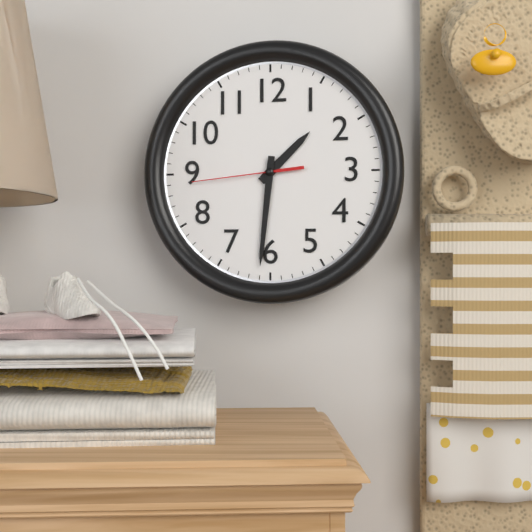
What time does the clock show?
1:31:44
